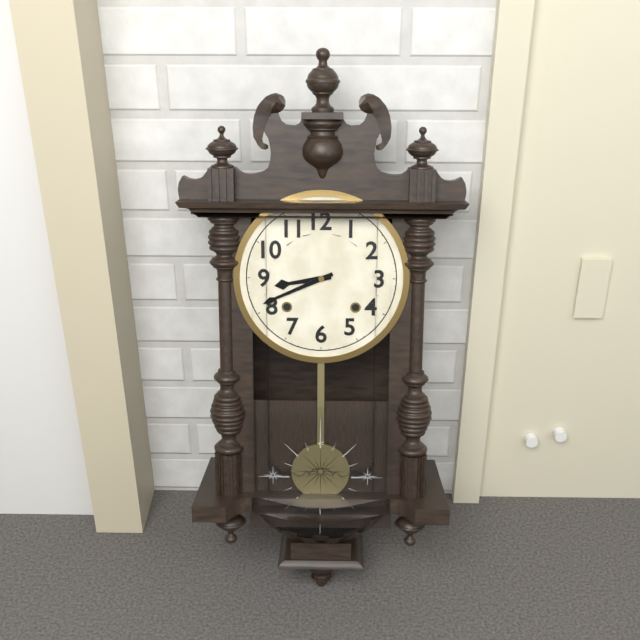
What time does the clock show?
8:41
